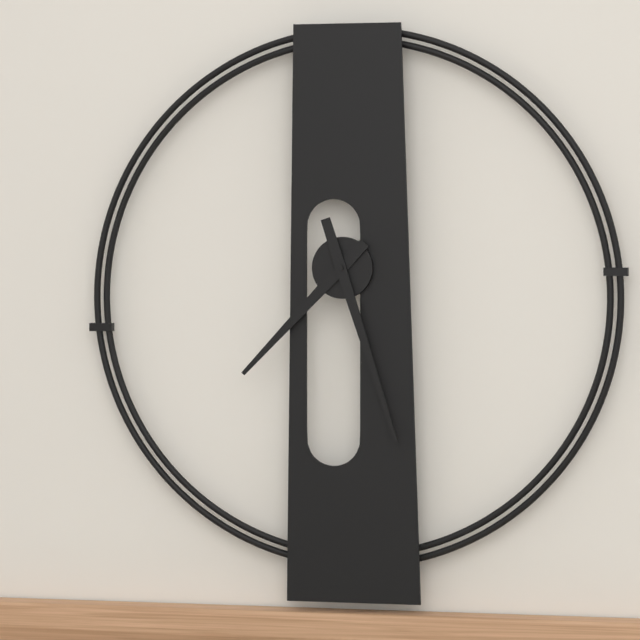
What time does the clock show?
7:27
